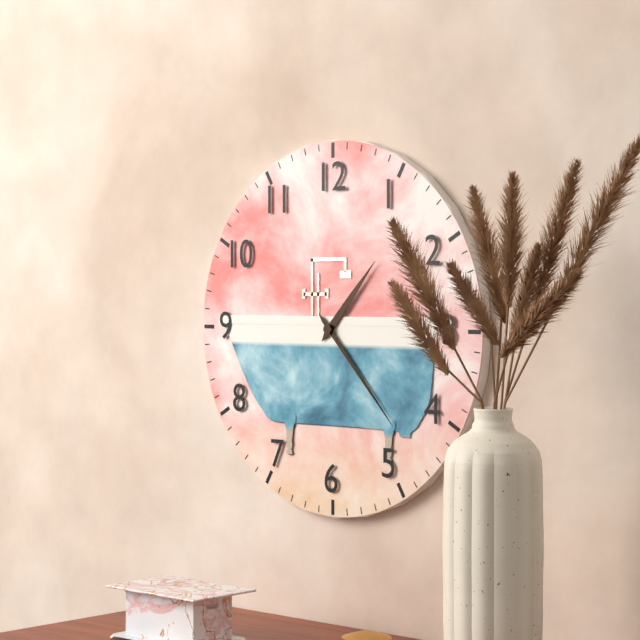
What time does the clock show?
1:23
